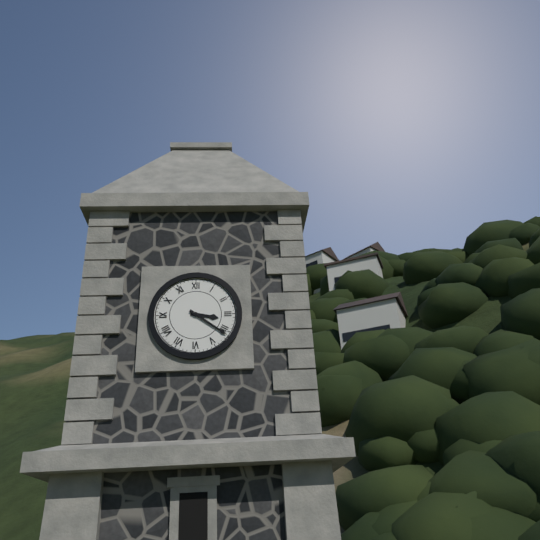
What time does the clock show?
3:21
